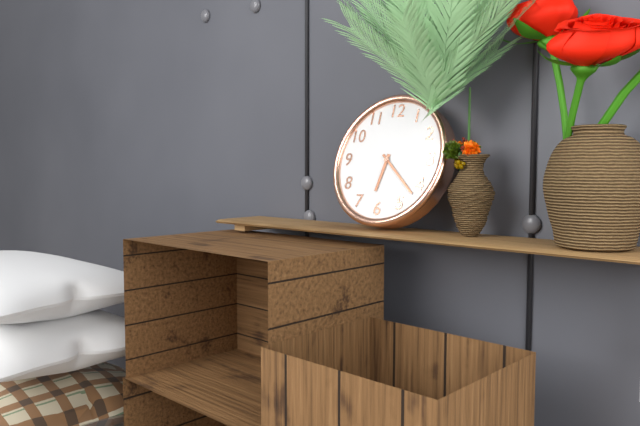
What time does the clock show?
6:22
